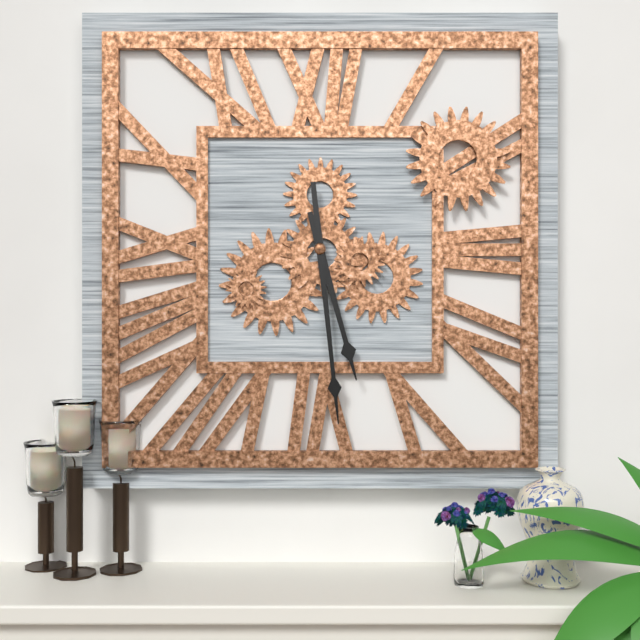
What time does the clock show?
5:29
